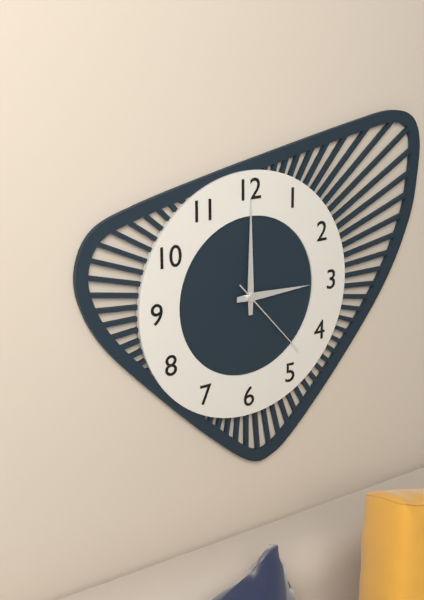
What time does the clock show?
3:00:23
